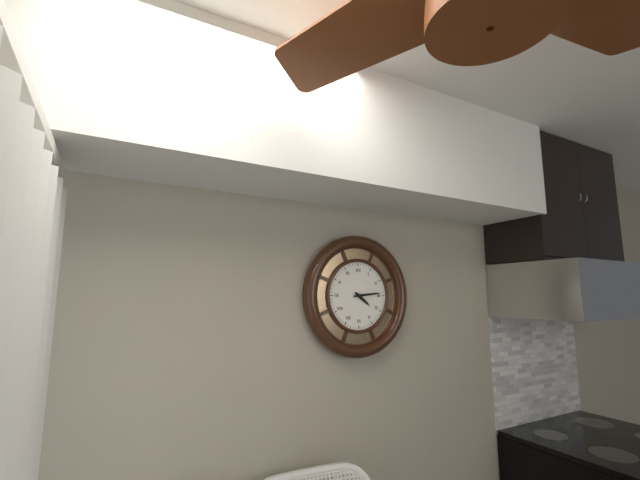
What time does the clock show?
4:14
